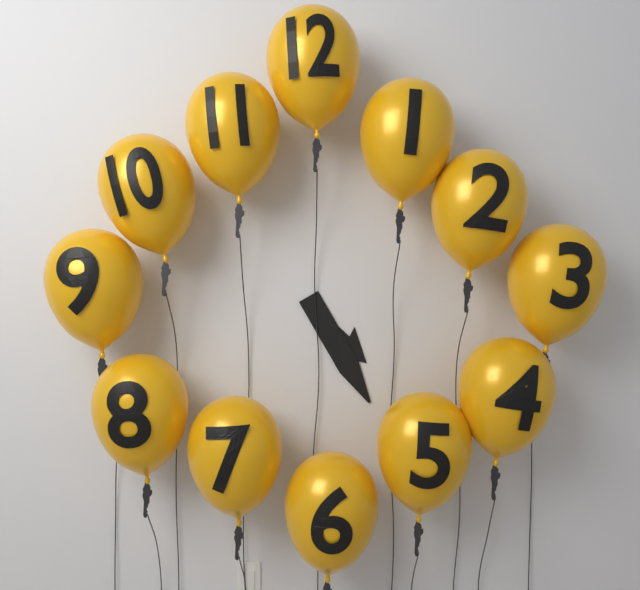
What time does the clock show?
4:25
